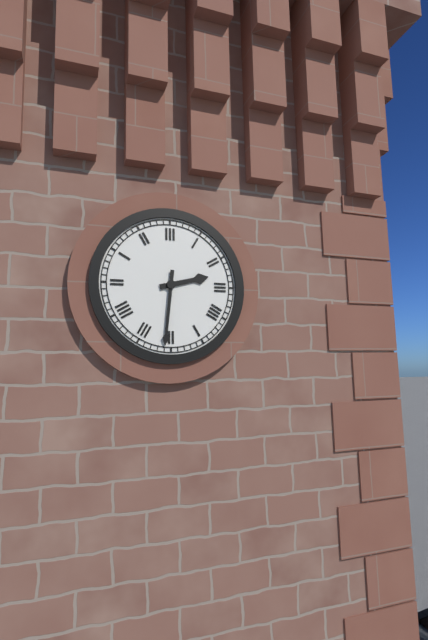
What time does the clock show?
2:31
